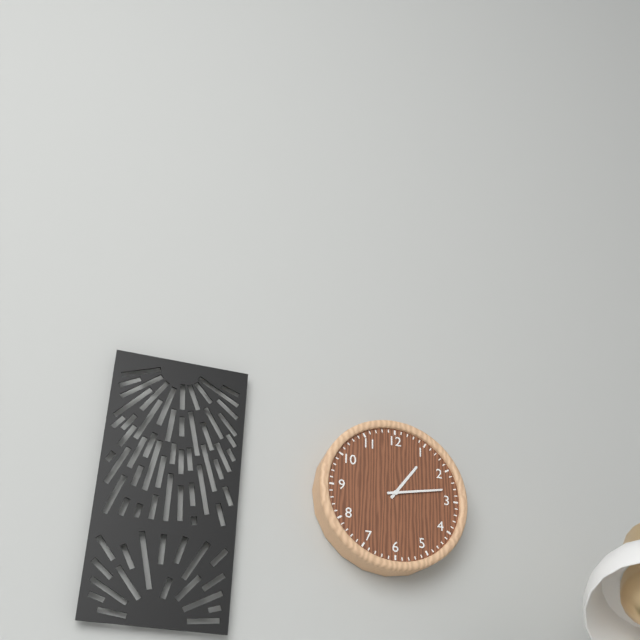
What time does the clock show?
1:13
